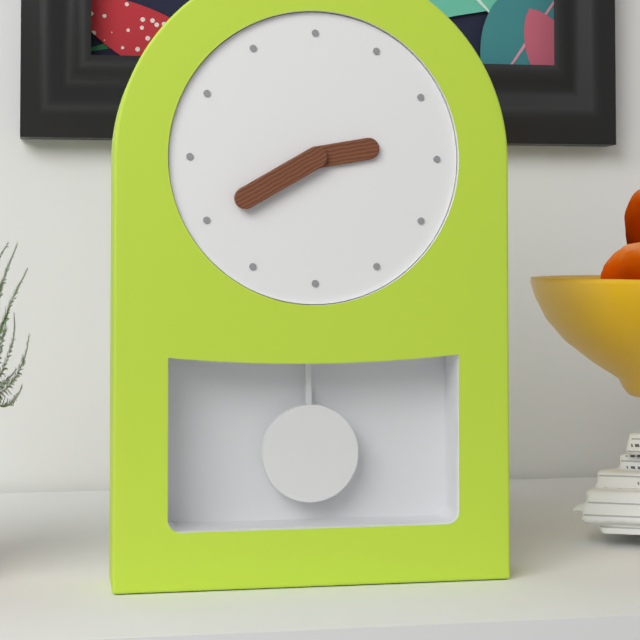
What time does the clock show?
2:40
